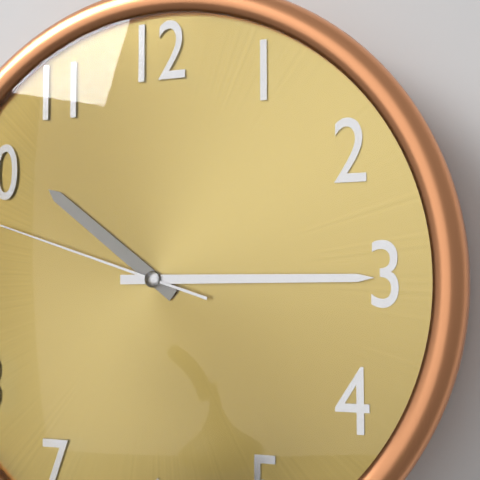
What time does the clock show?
10:15
